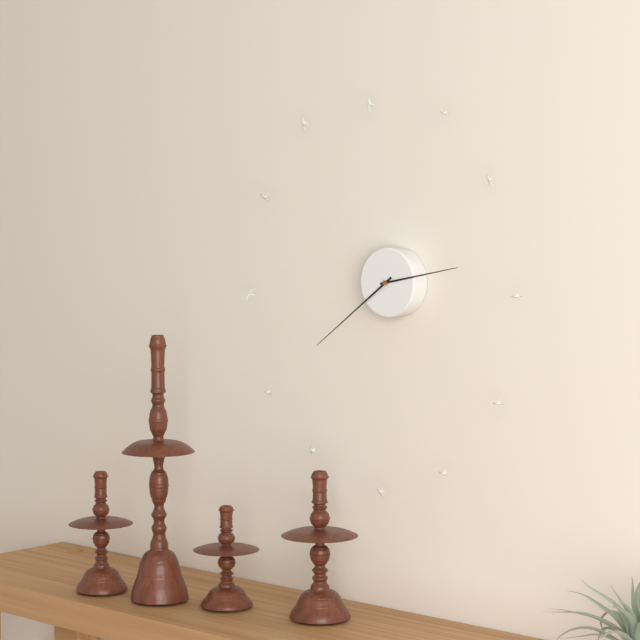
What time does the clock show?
2:39
